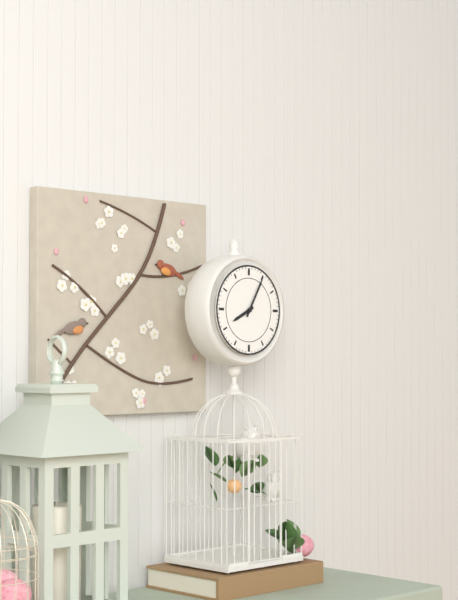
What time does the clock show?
8:05
